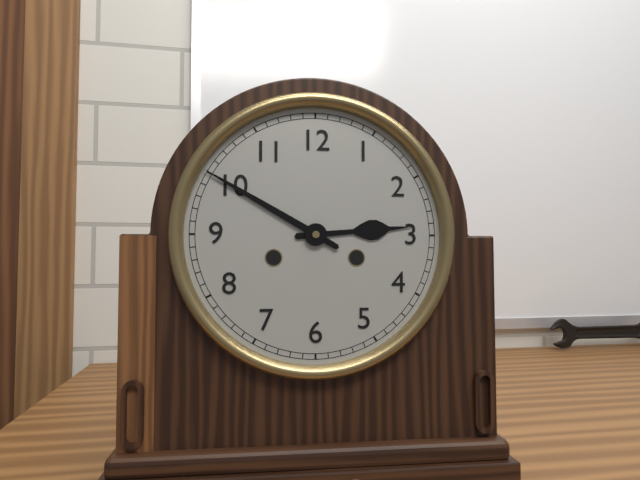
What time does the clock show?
2:50
